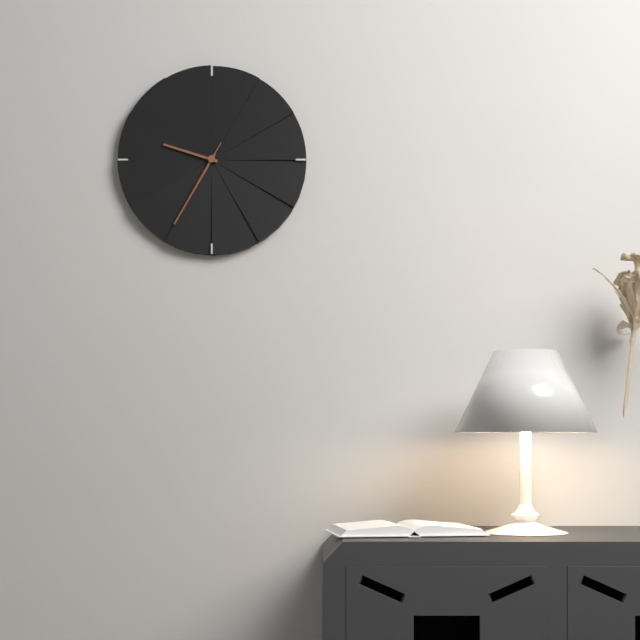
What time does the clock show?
9:35:35
